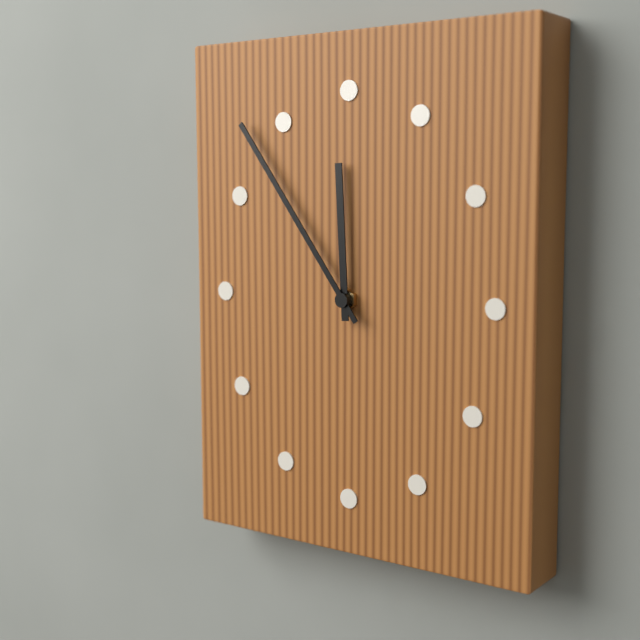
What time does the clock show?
11:54
